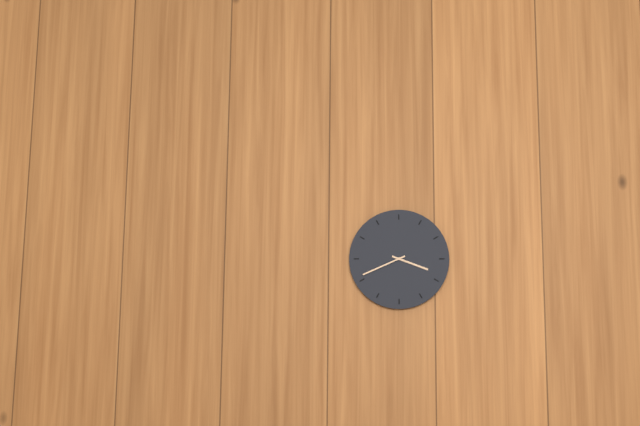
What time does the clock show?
3:41
